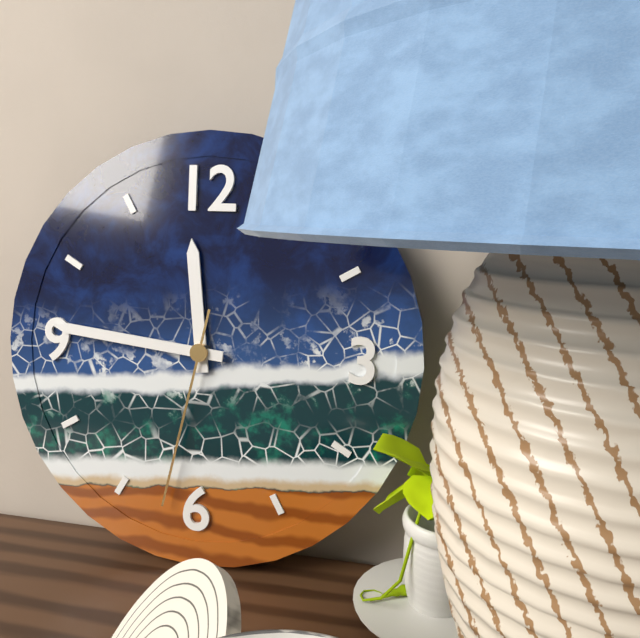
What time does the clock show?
11:46:32
